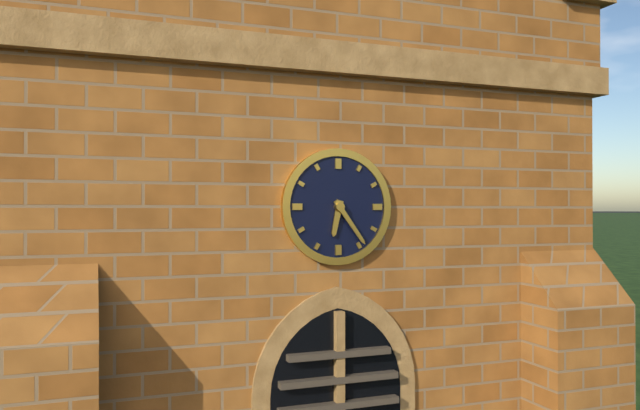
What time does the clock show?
6:24
